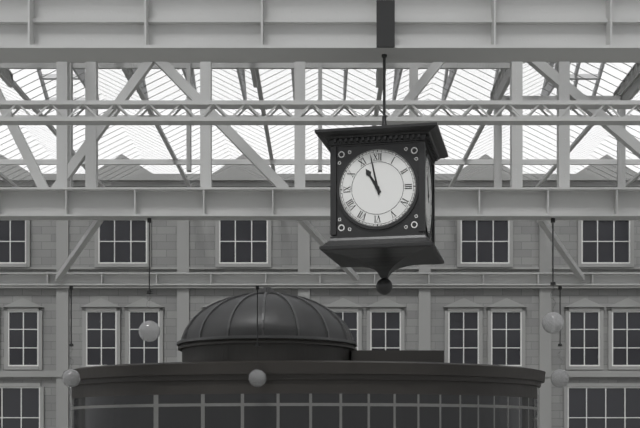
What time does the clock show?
10:58
